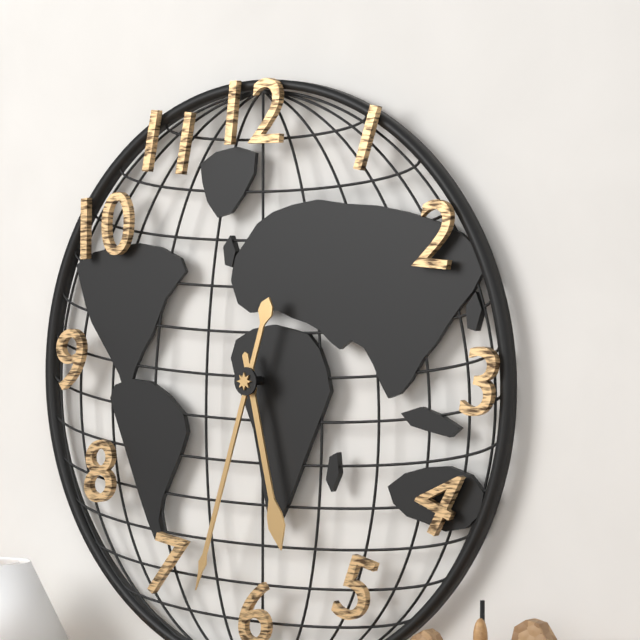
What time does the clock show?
5:33
